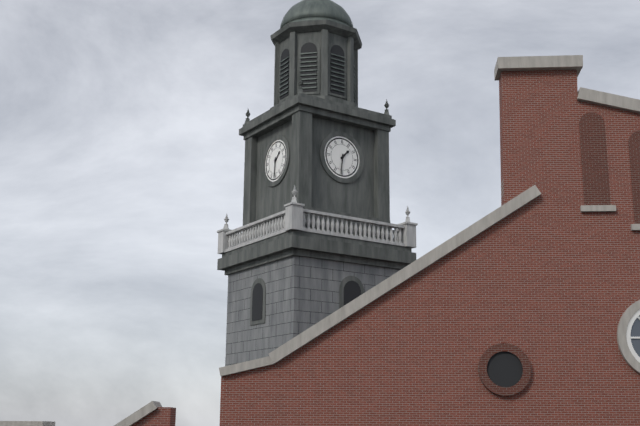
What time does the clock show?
1:31
